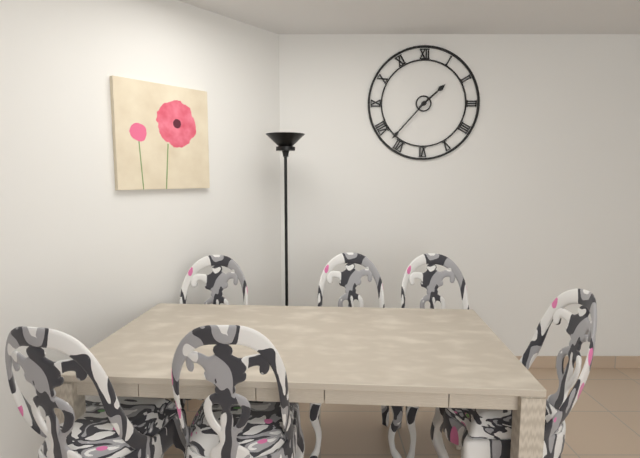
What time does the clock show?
1:37
